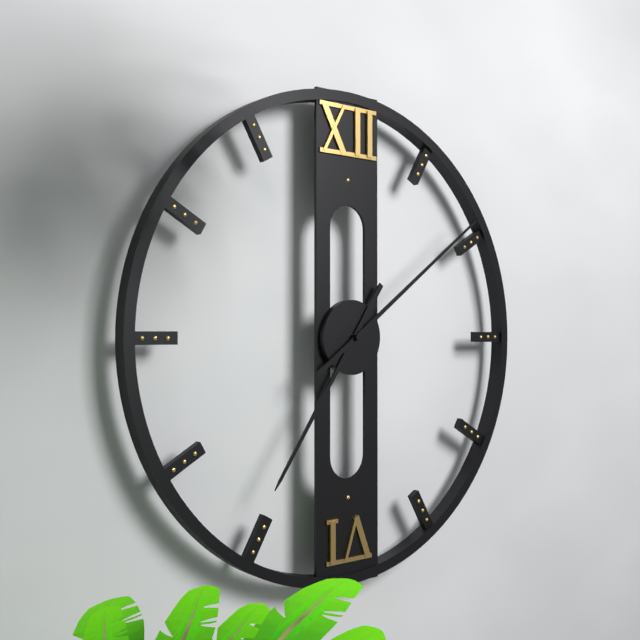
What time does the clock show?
7:09
